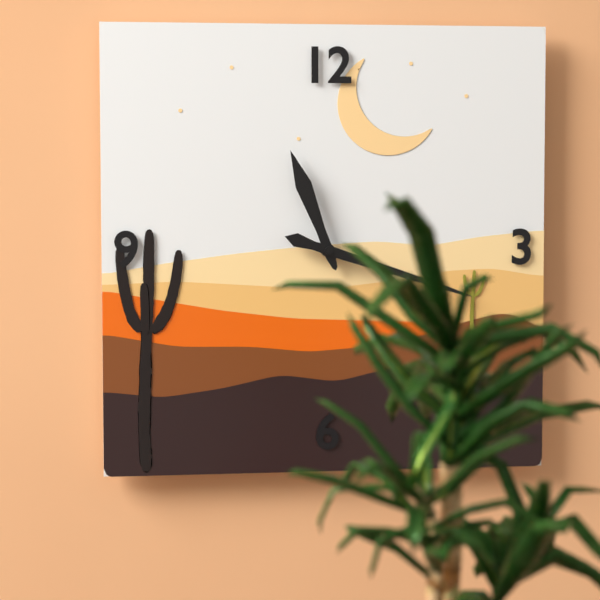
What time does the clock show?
11:18
